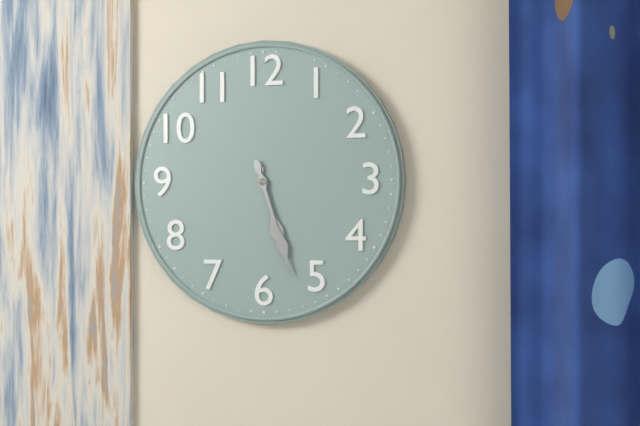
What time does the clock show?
5:27
